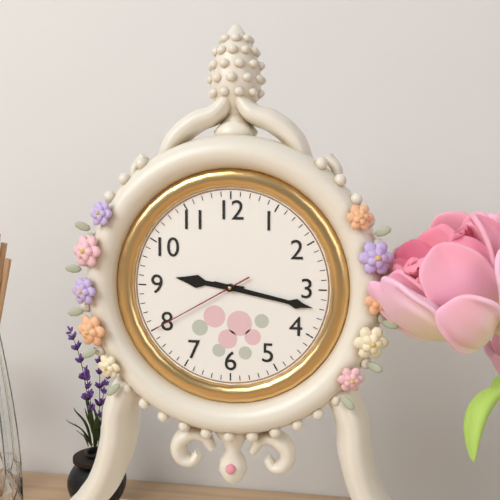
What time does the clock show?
9:17:40
